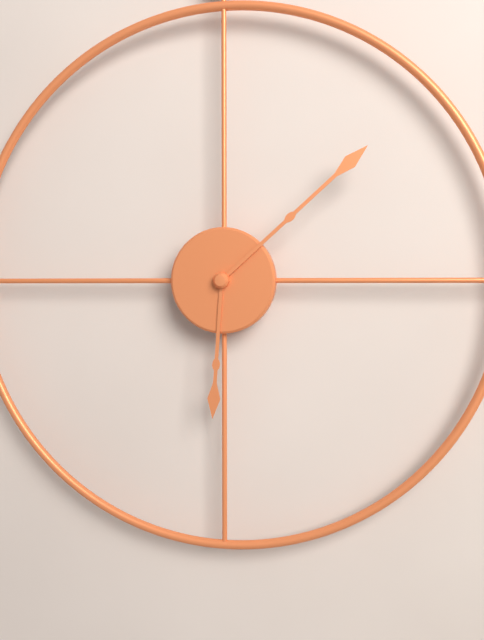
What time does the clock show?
6:08
